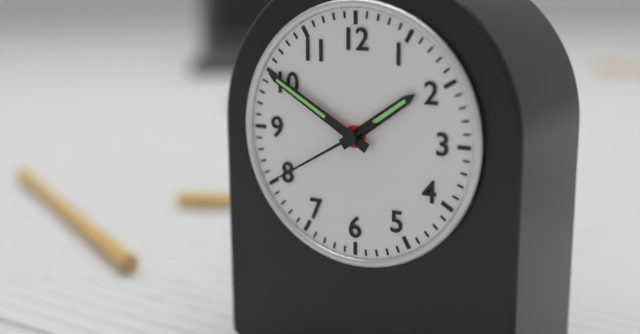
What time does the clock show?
1:50:40
